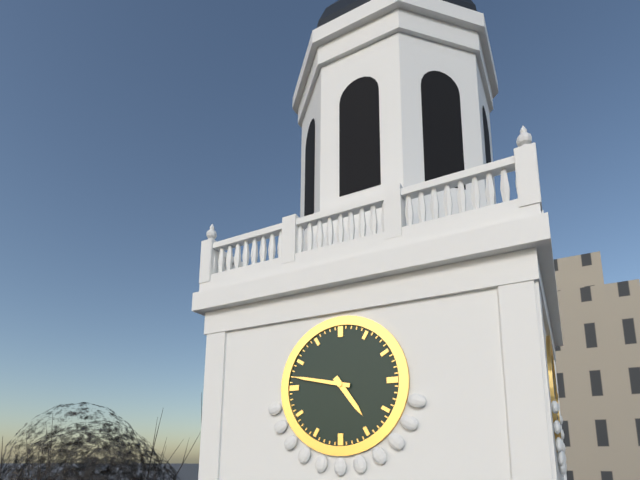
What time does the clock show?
4:47
